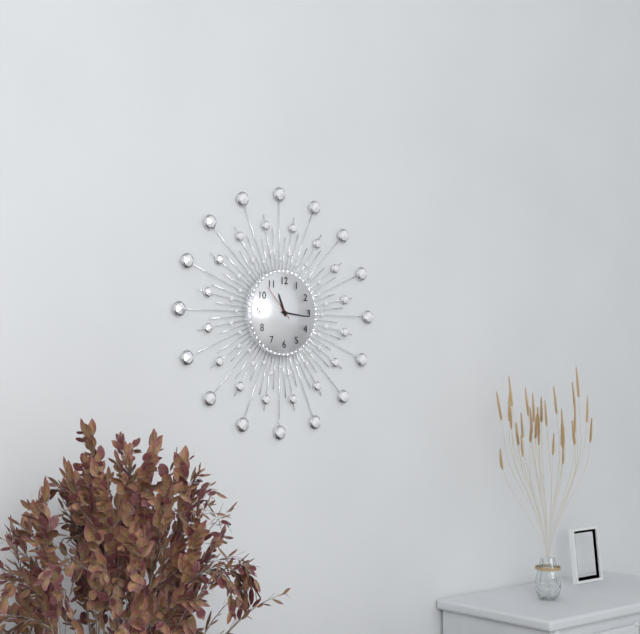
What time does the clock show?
11:16
